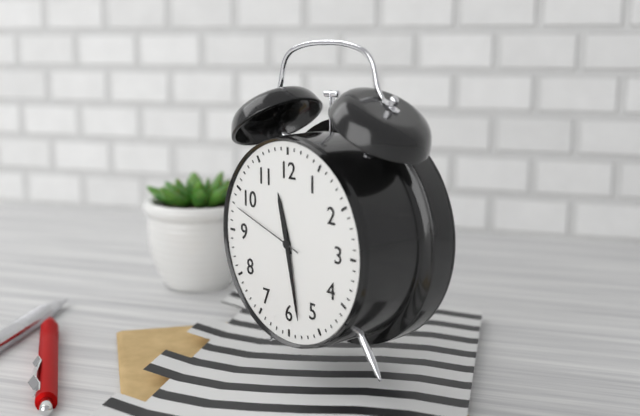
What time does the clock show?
11:28:48
